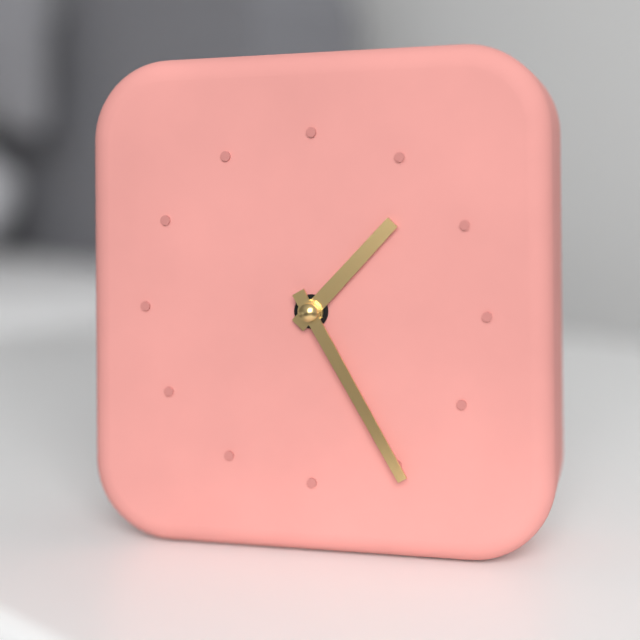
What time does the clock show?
1:25
